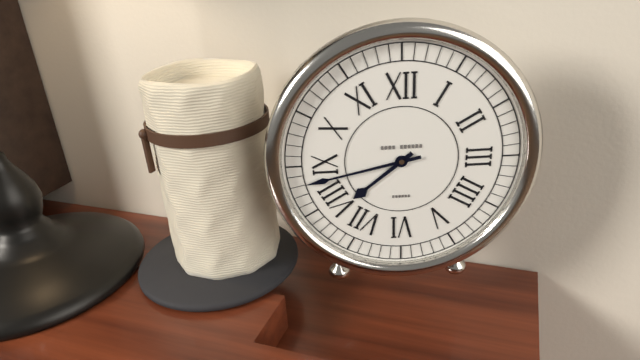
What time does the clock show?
7:43
